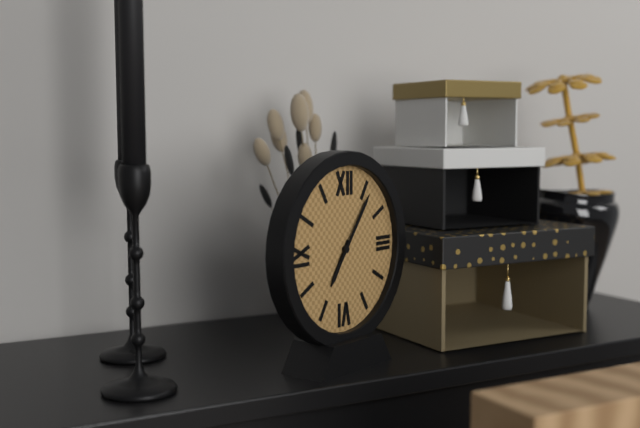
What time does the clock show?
7:06
